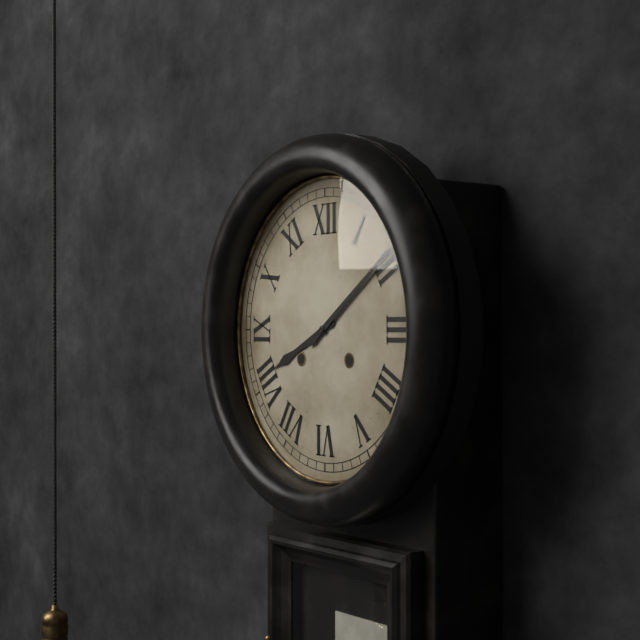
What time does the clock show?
8:09
